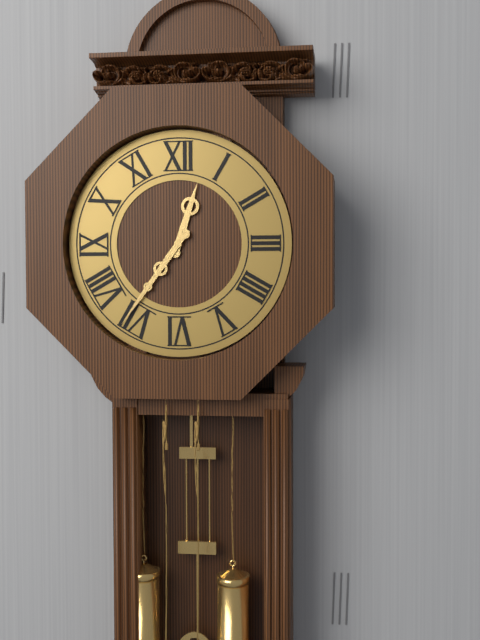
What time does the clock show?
12:36
